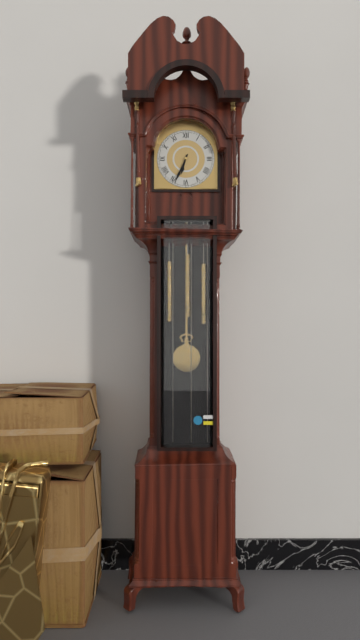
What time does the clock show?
6:34
